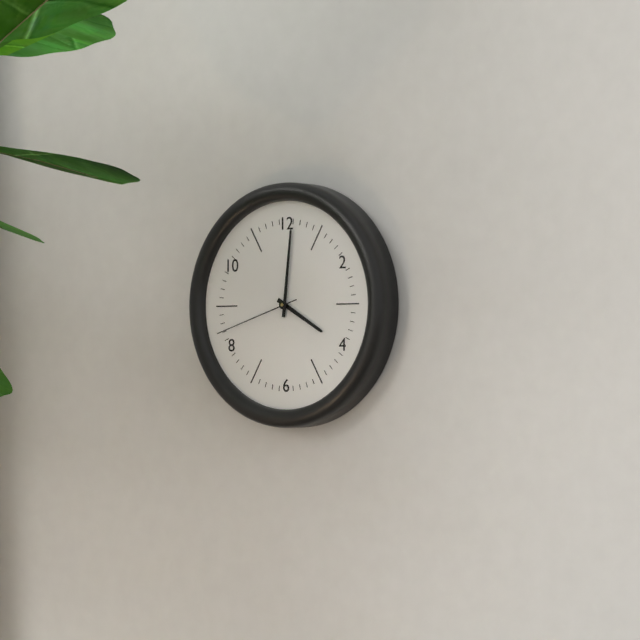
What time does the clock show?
4:01:42
